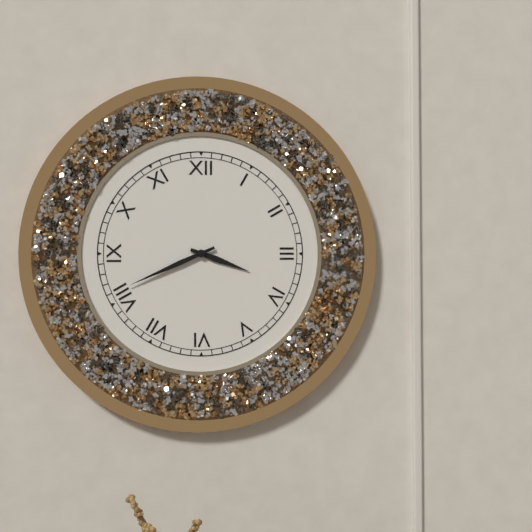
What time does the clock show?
3:41
